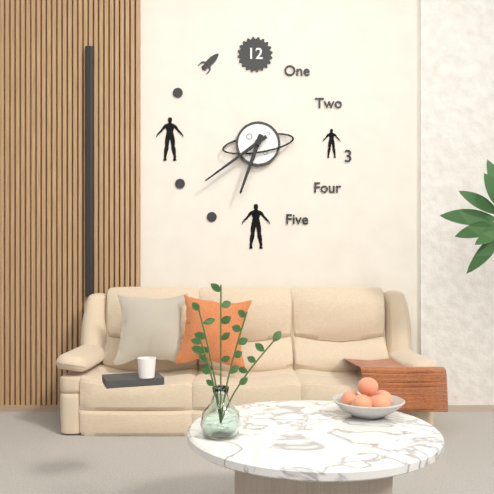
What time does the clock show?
6:39
